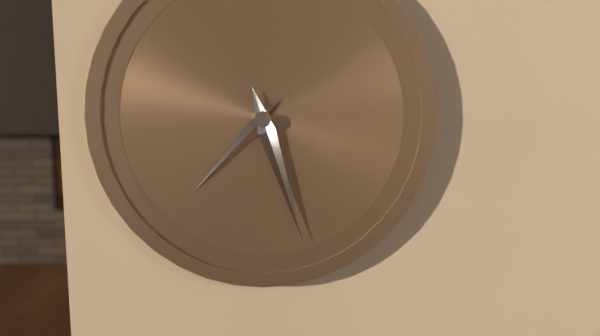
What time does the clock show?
7:27
